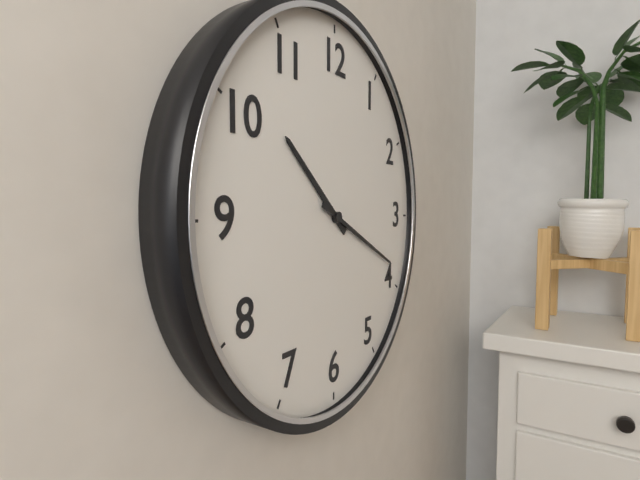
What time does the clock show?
10:19
